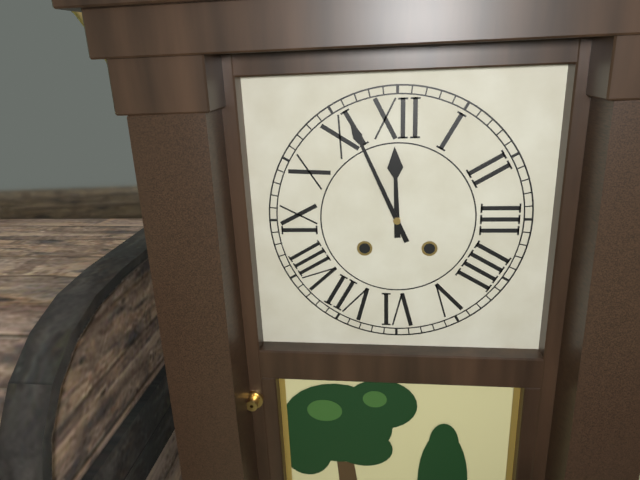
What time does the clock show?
11:56
